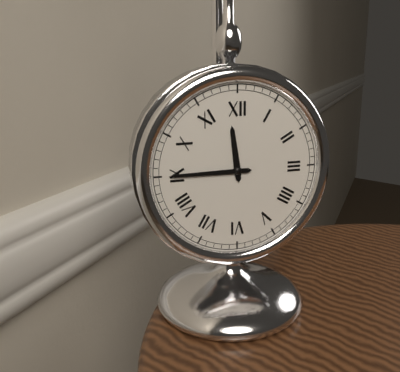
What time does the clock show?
11:45
